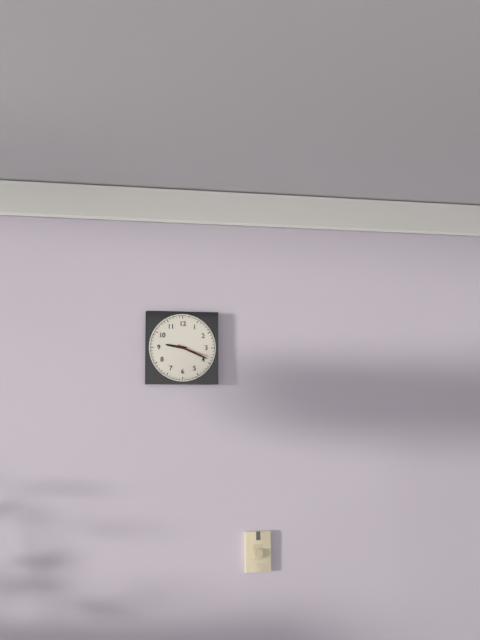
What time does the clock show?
9:19
